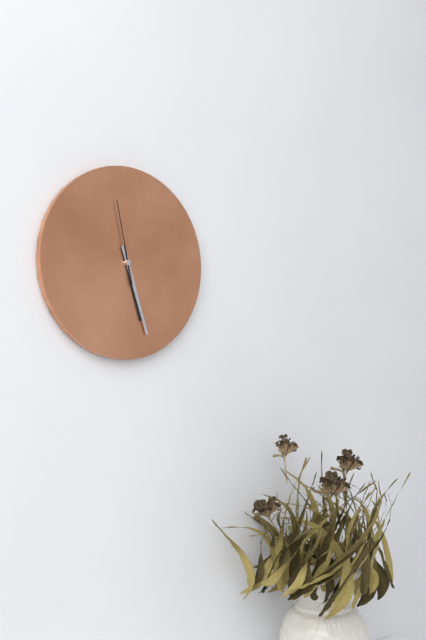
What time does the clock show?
5:27:58
